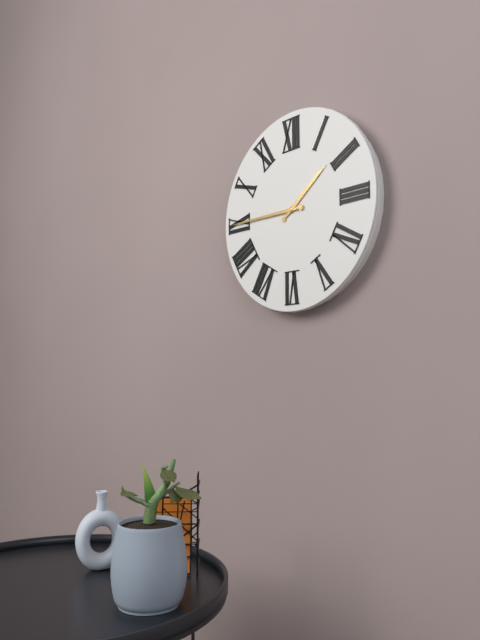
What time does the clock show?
1:45
